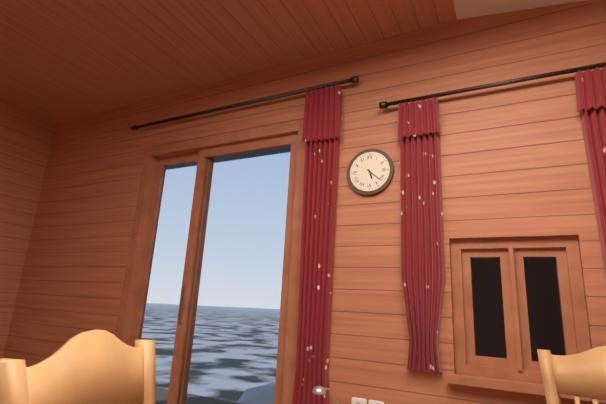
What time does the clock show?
5:22
